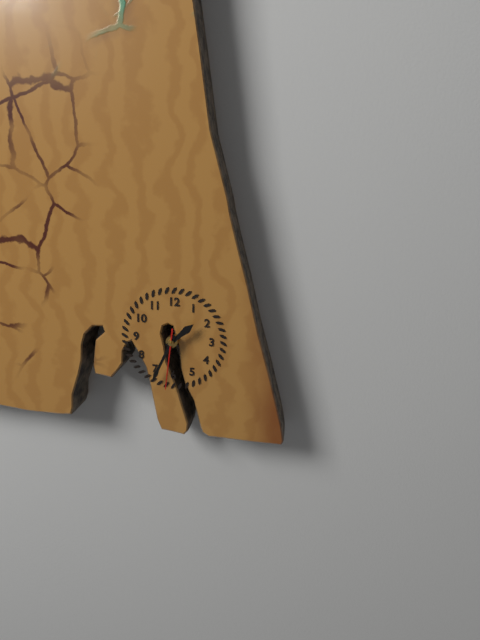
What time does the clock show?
1:34:31
